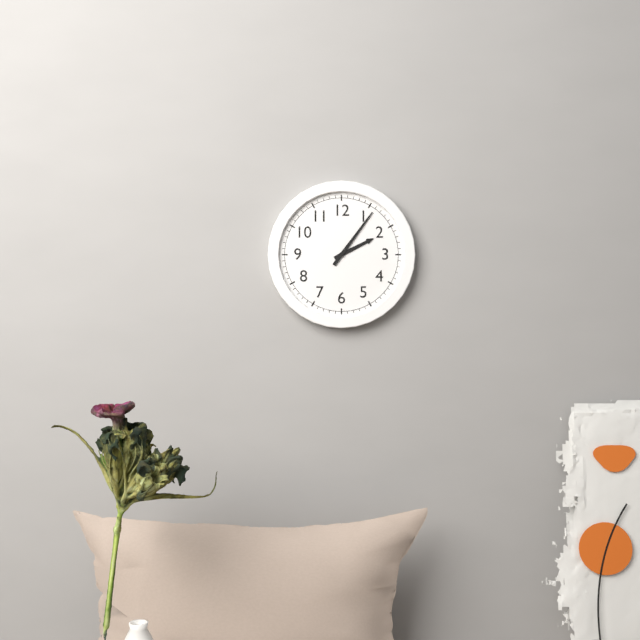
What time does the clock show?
2:06
